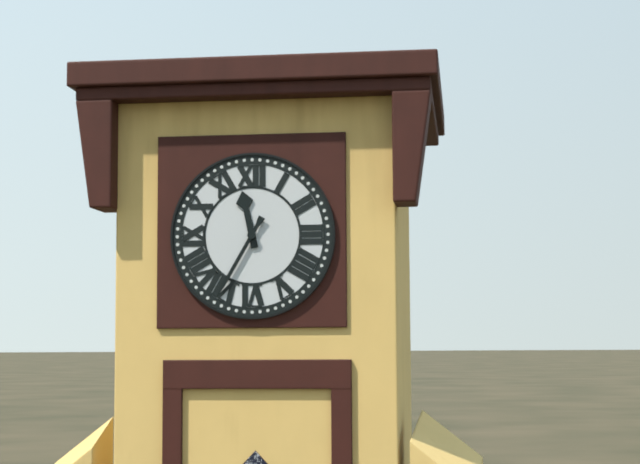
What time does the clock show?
11:35
